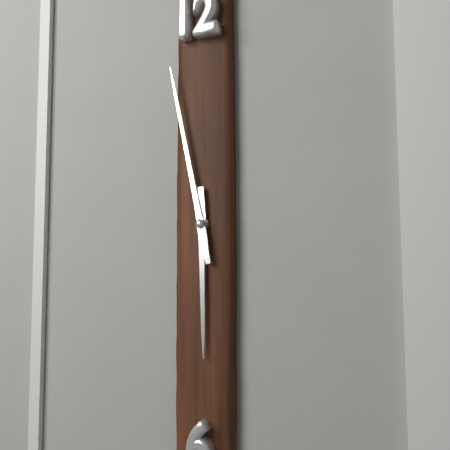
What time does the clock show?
5:58
